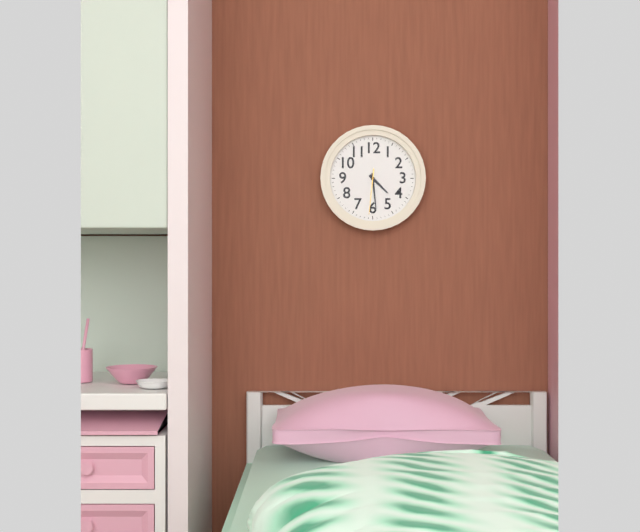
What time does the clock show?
4:29
